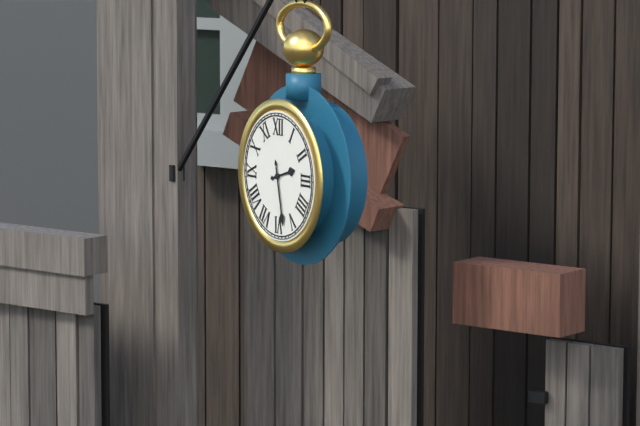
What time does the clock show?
2:28
